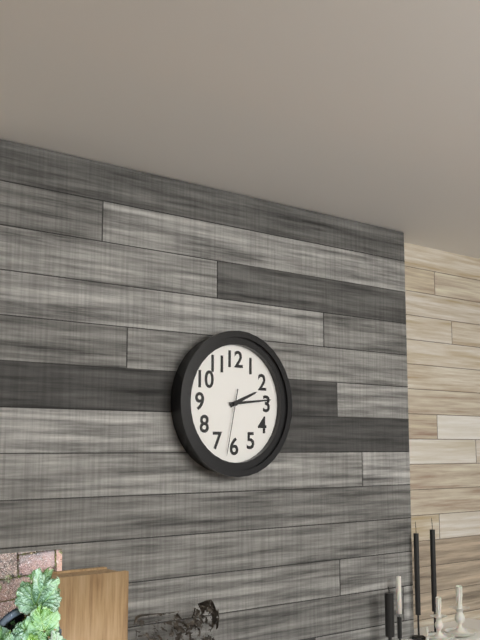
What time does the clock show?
2:14:32
